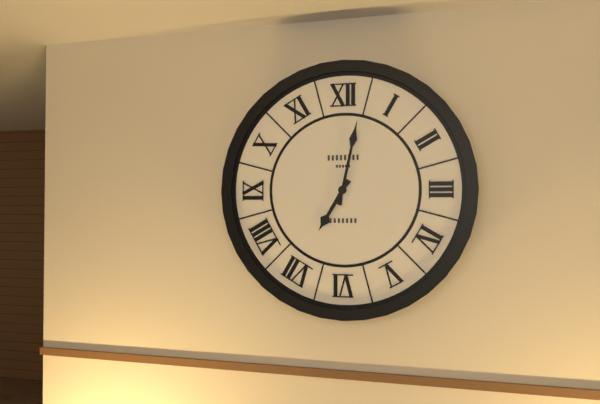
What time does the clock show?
7:02
